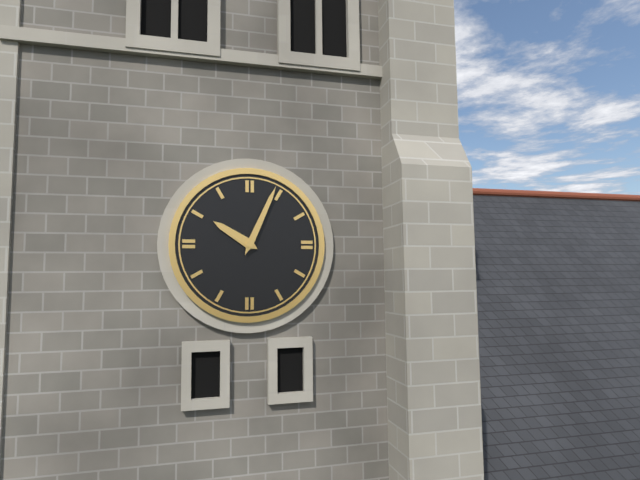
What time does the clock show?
10:04
